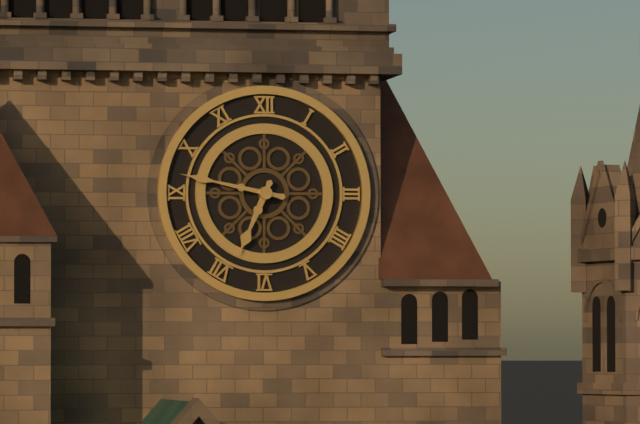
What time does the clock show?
6:47
